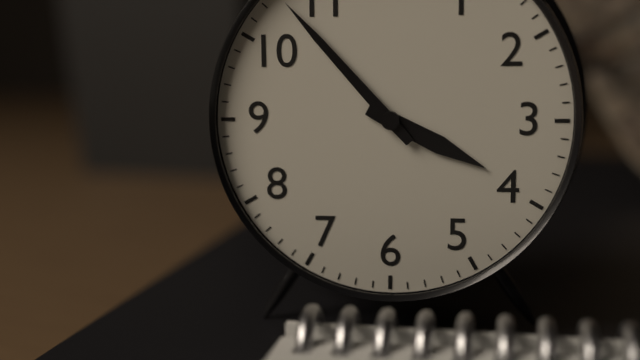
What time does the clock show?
3:53
